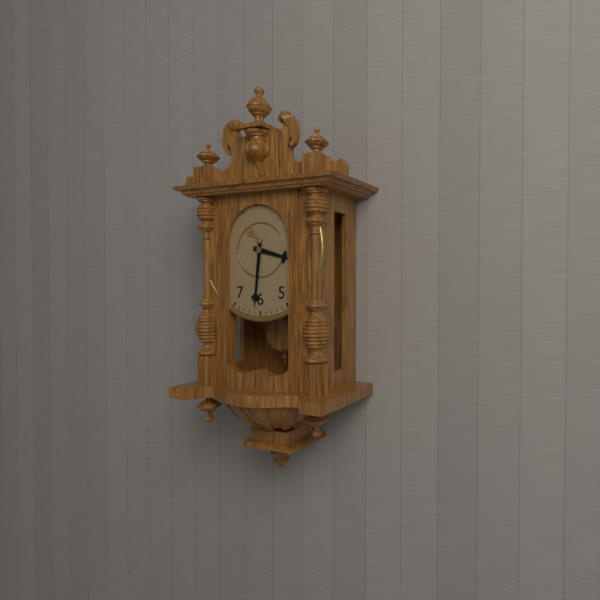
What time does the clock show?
3:31
